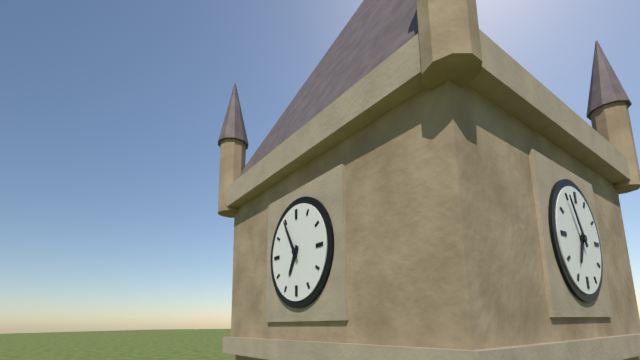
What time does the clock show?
6:55
